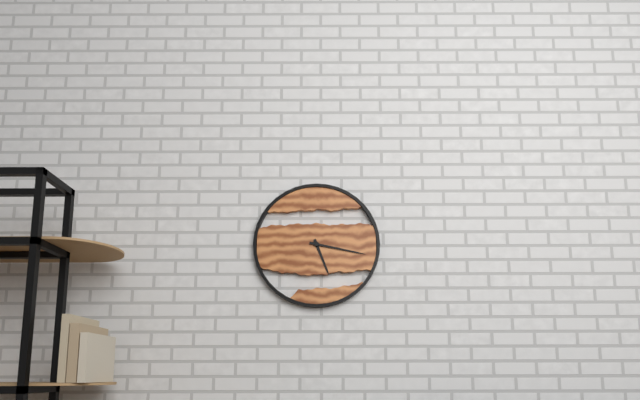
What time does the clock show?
5:17
